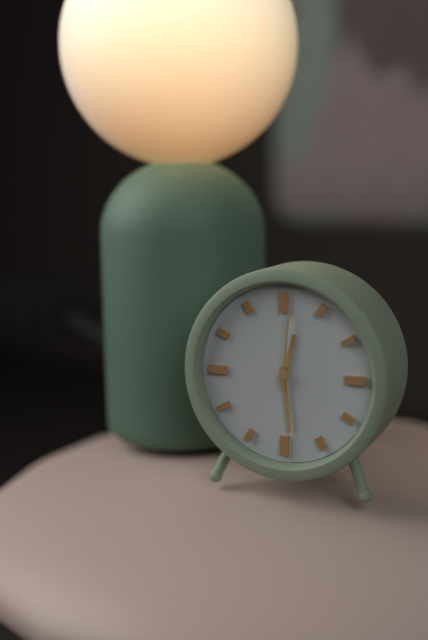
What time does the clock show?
12:29:01
